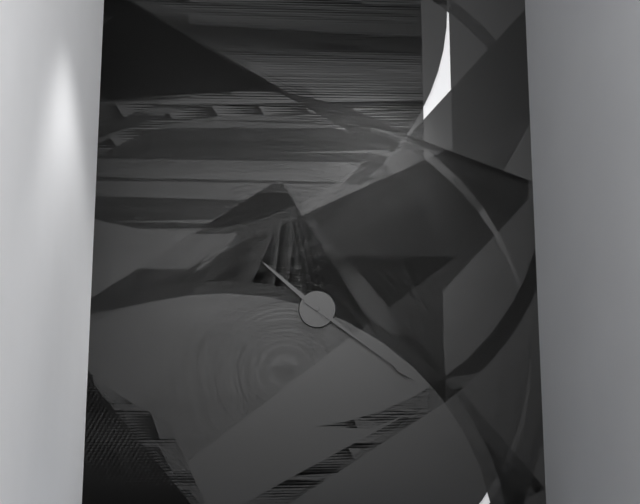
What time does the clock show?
10:21
